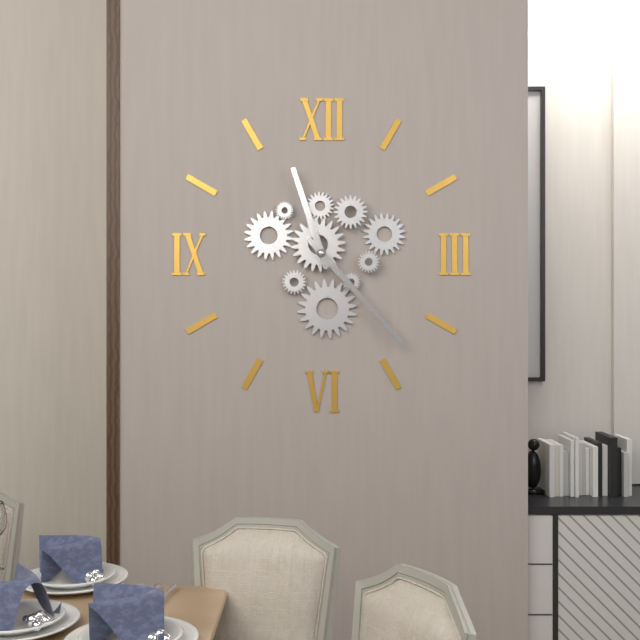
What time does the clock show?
11:23
